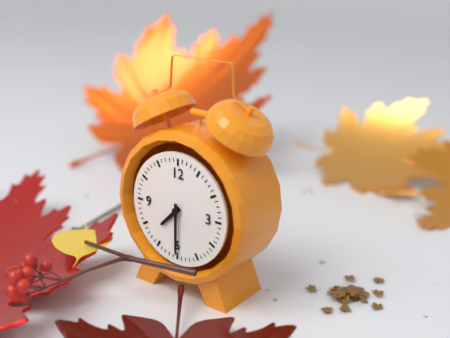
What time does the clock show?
7:30
